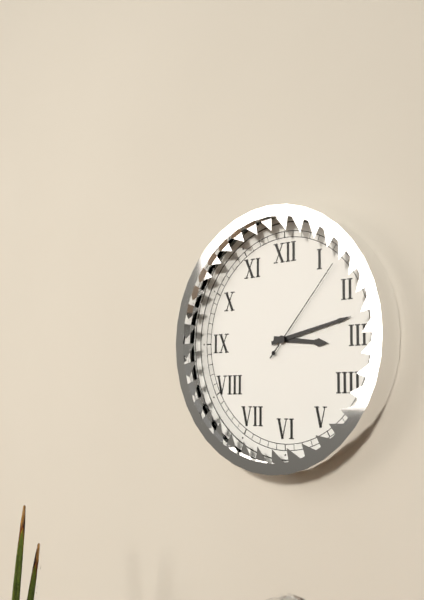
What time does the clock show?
3:13:07
